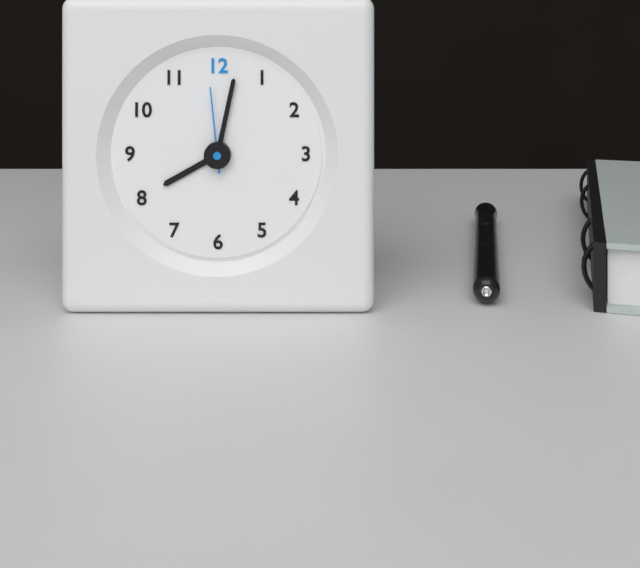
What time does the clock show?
8:02:59
